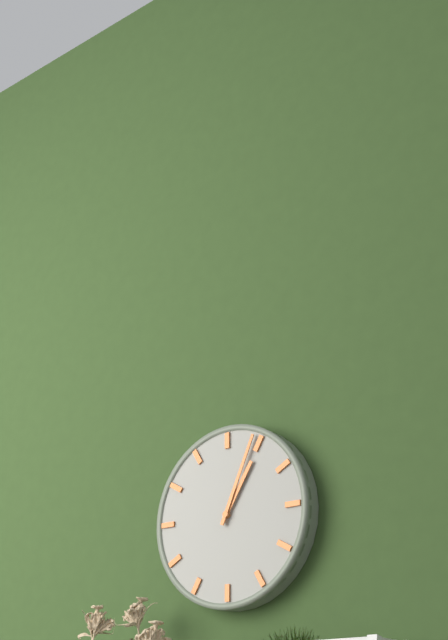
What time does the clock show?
1:04
